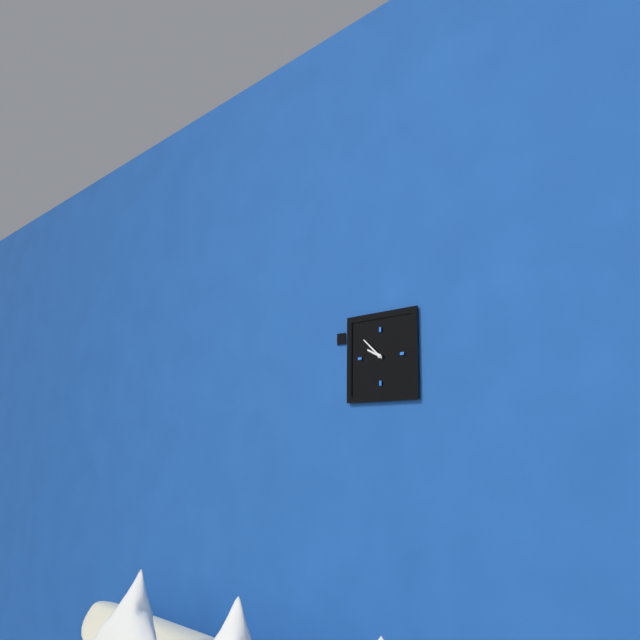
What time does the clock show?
9:52
